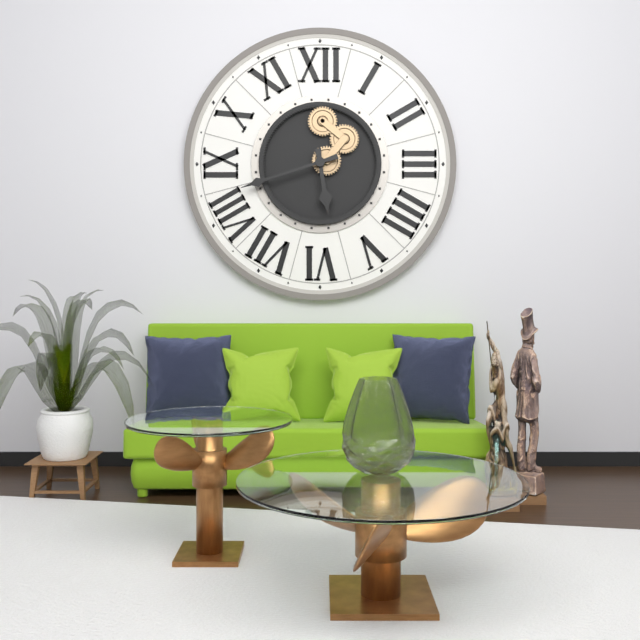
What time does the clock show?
5:42
